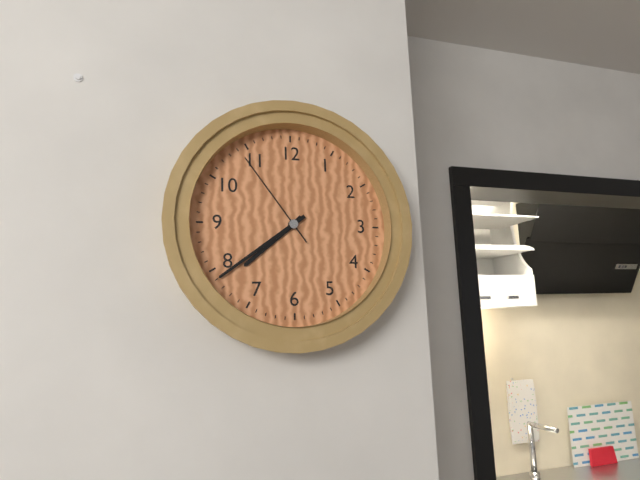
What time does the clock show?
7:39:54
